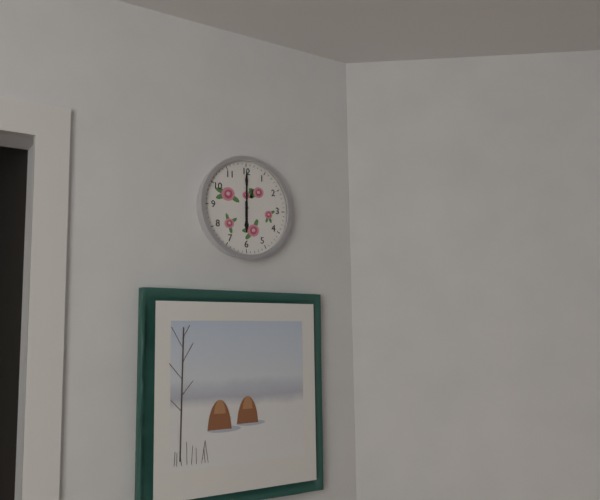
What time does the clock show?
6:00
